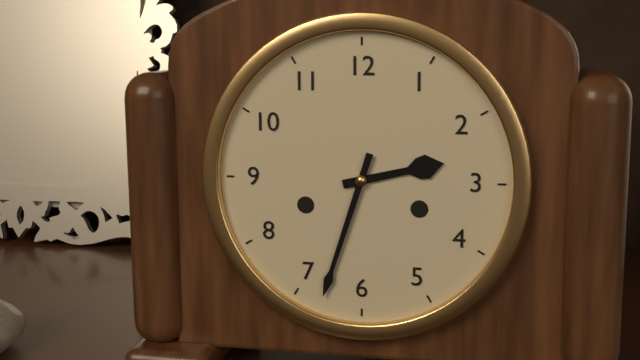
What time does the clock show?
2:33
